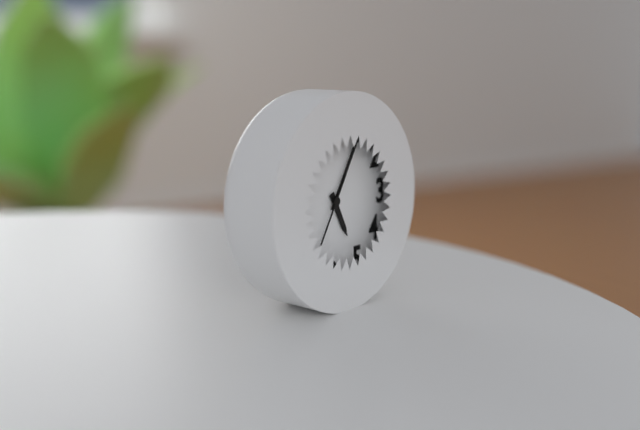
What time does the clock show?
5:05:35
